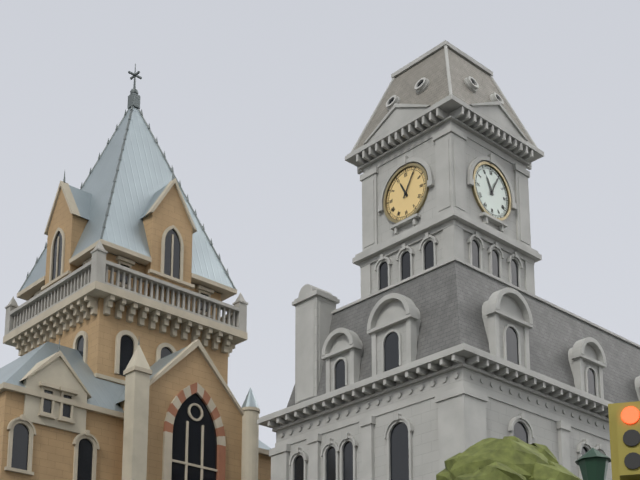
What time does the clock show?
11:05
